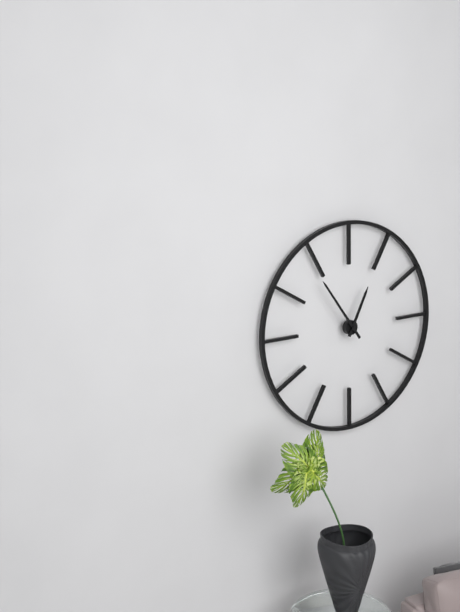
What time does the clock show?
12:54
